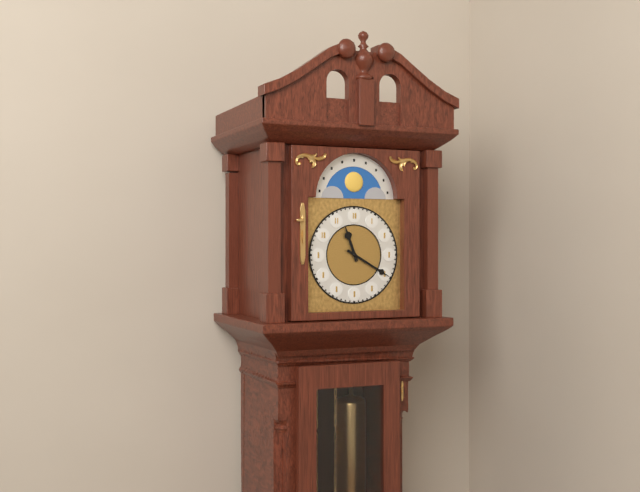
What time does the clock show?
11:20
